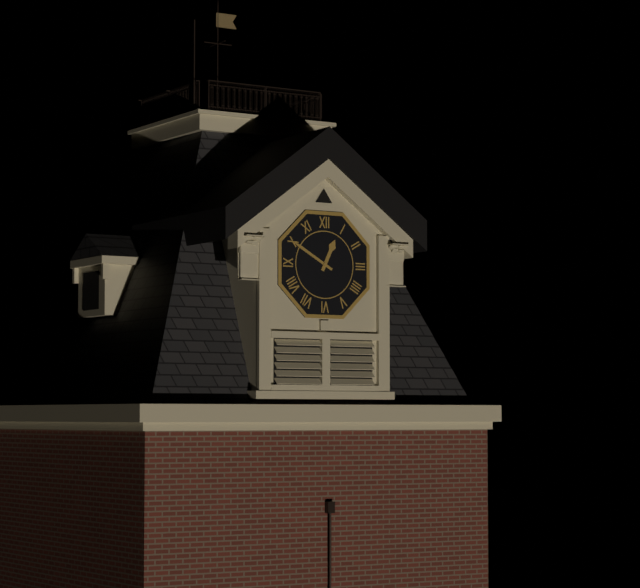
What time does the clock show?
12:50
